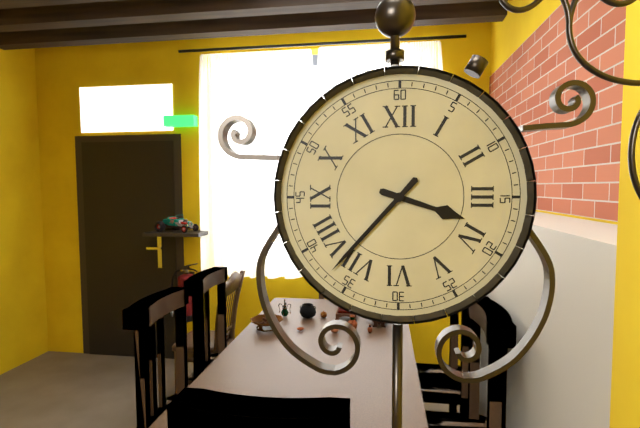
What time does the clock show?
3:37
